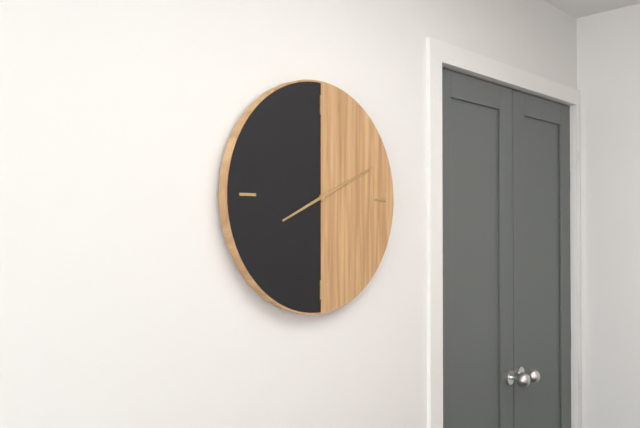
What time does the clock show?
8:11
